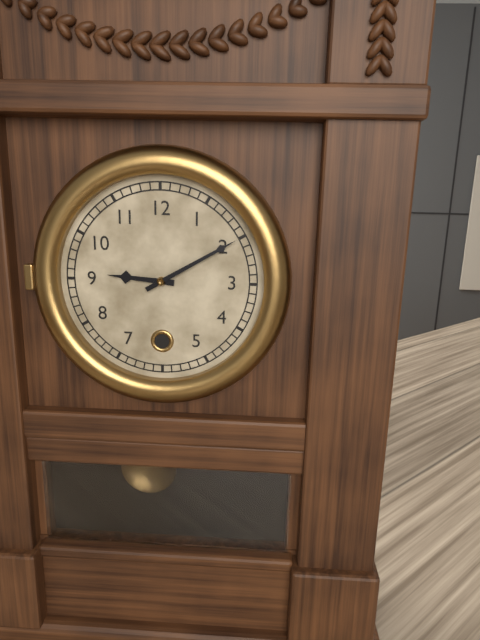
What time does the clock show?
9:10
